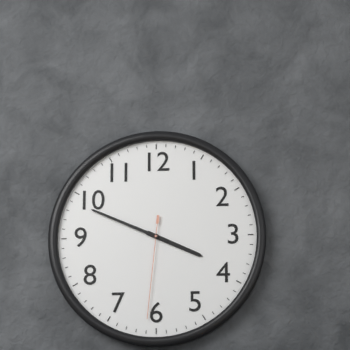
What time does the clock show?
3:49:31
